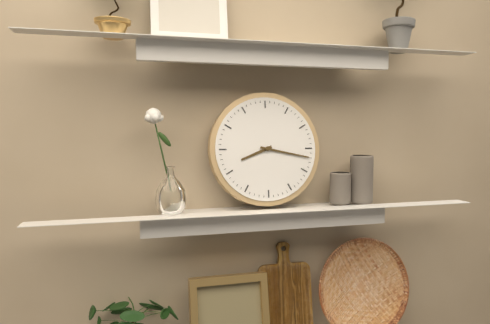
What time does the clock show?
8:17
